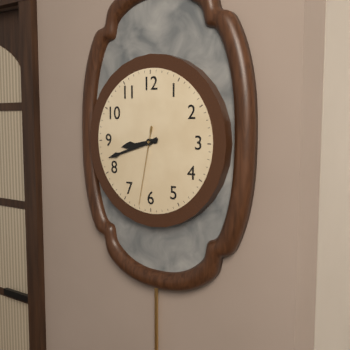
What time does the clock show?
8:42:32
